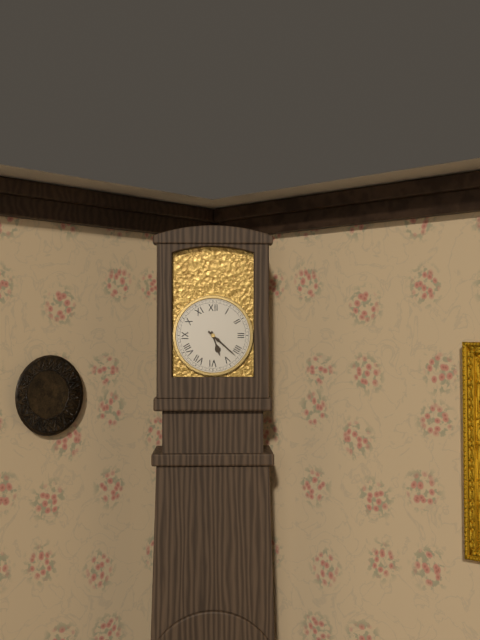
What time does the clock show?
5:22
